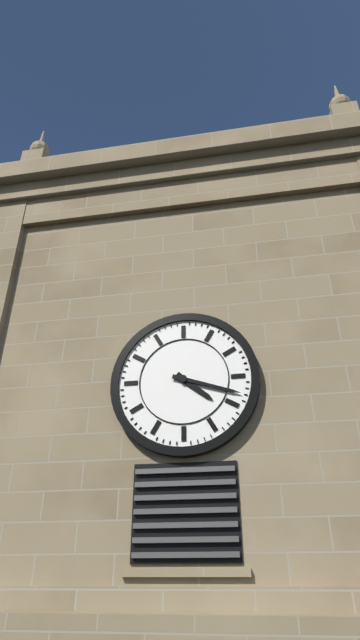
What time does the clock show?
4:18
